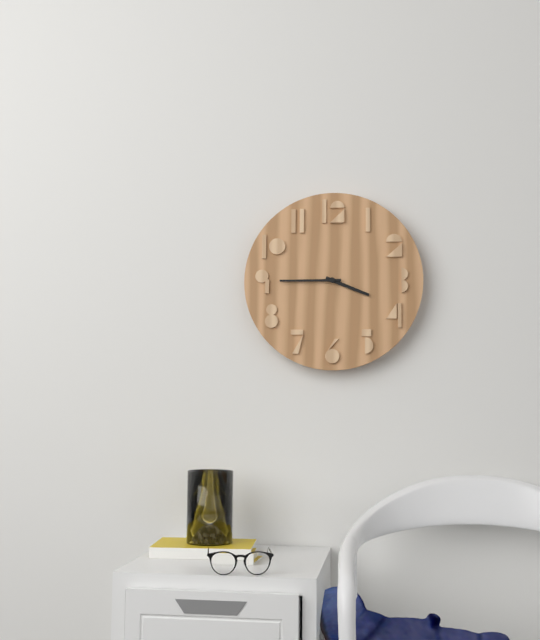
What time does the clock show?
3:45
